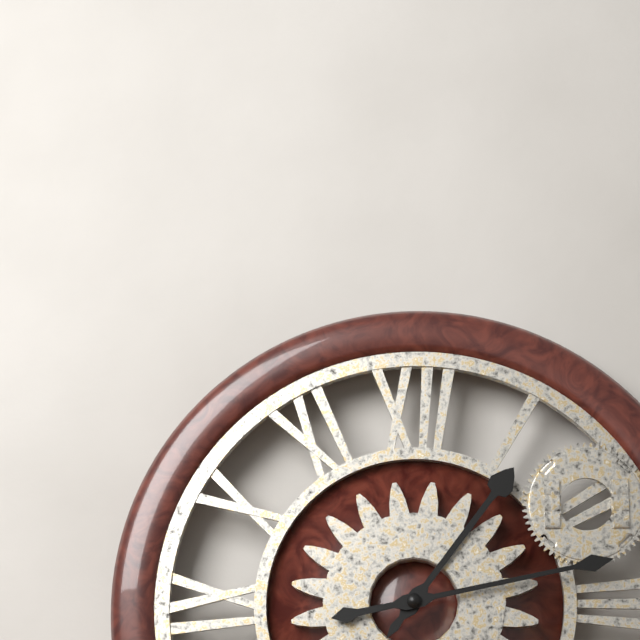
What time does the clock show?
1:13
